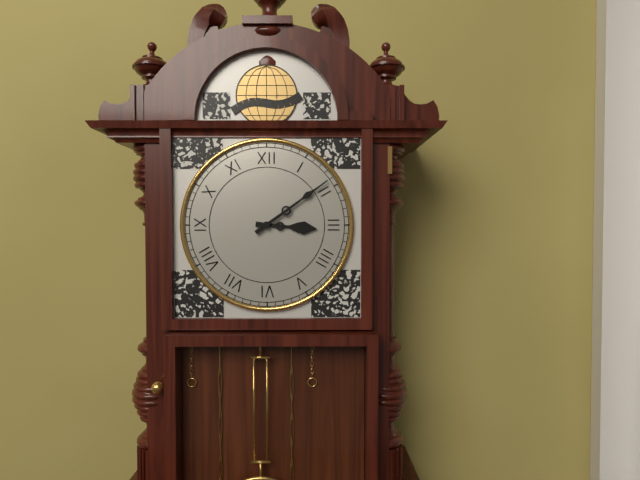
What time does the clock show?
3:09
